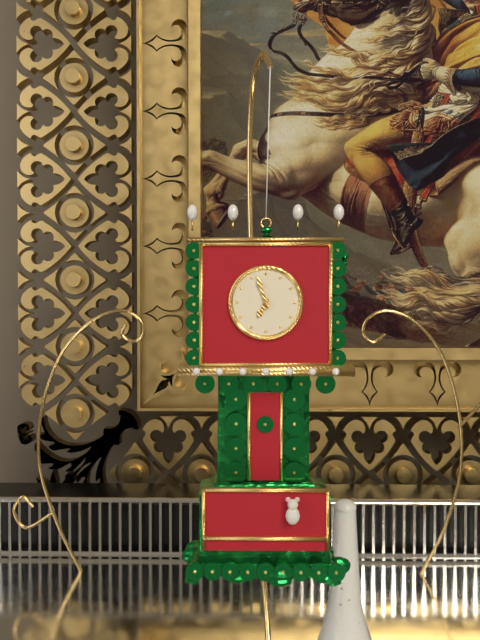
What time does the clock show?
6:57
